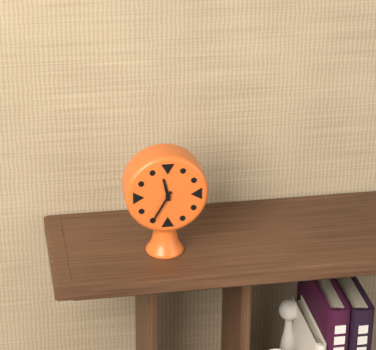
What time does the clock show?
11:35
